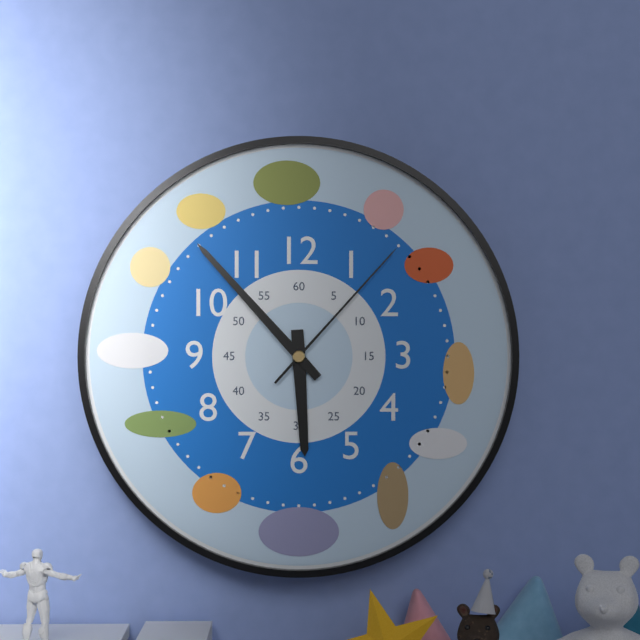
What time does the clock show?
5:53:07
